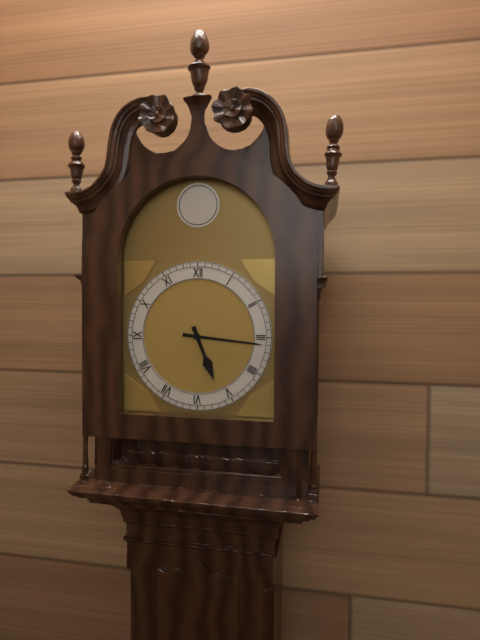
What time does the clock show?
5:16
